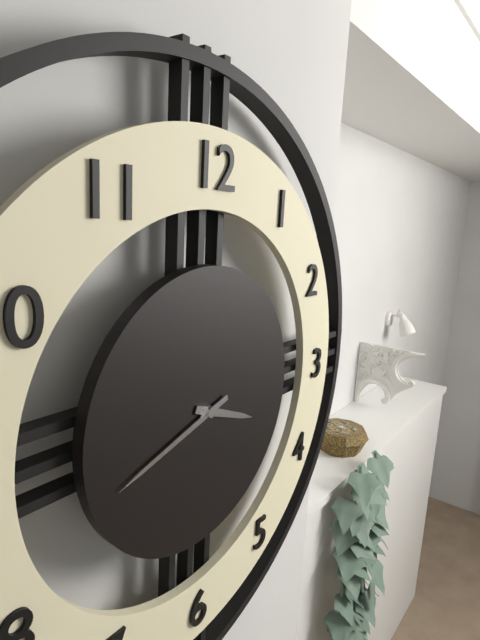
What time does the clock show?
3:42
